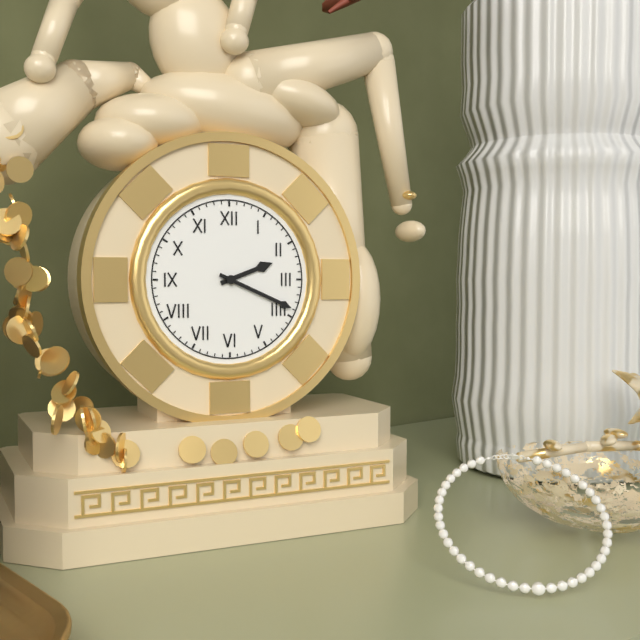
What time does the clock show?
2:19
